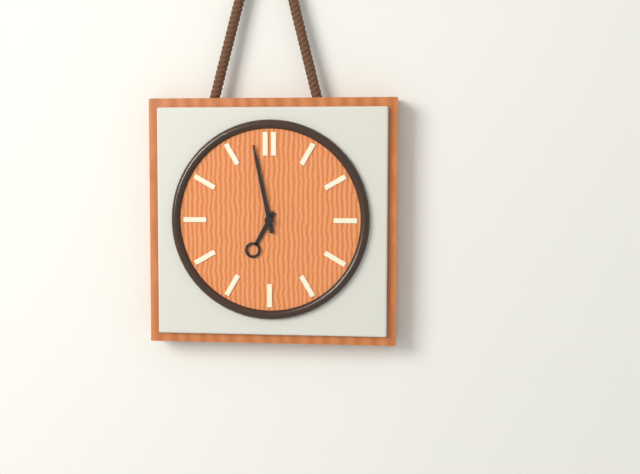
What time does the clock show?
6:58
